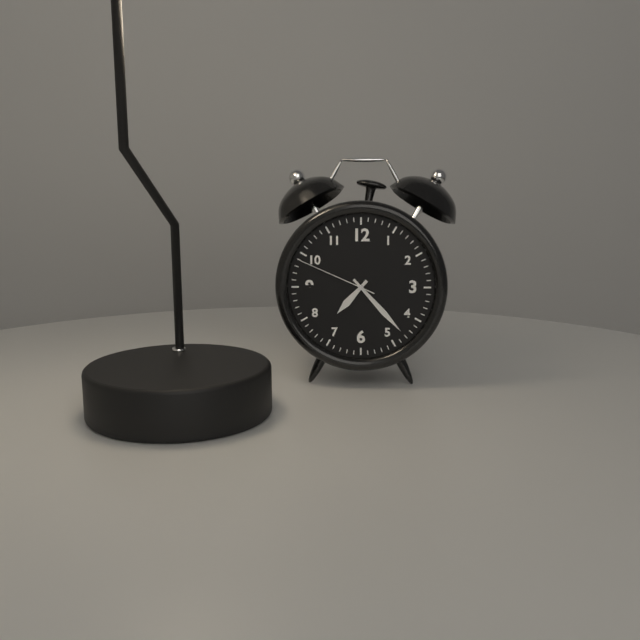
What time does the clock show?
7:23:49
